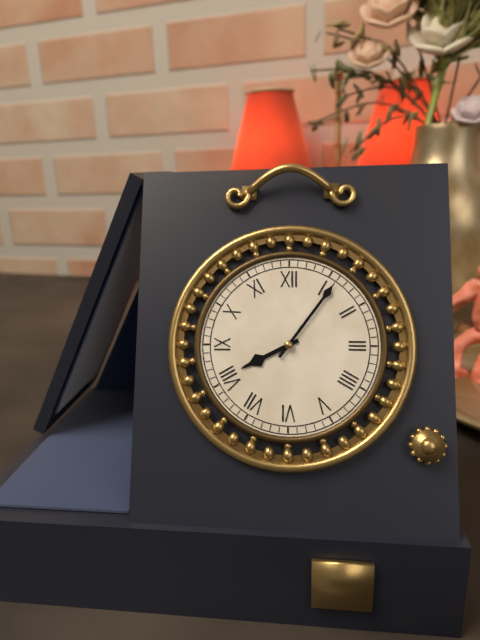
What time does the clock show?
8:06
